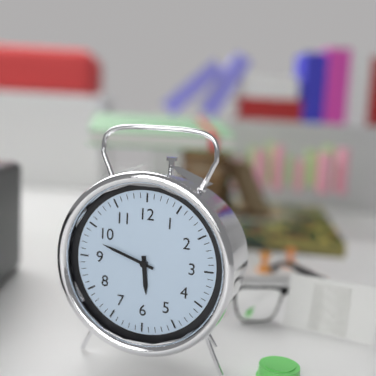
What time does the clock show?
5:48
